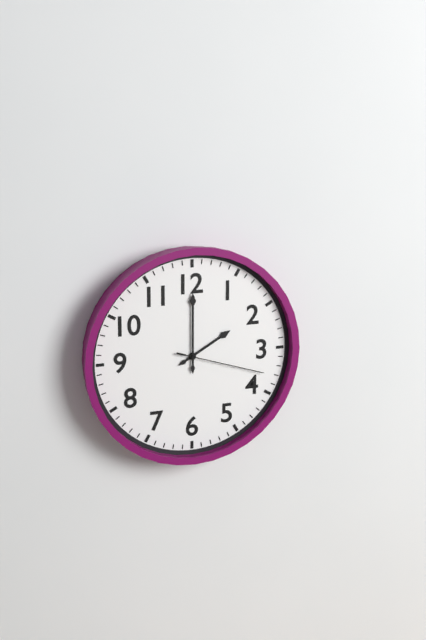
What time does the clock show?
2:00:18
